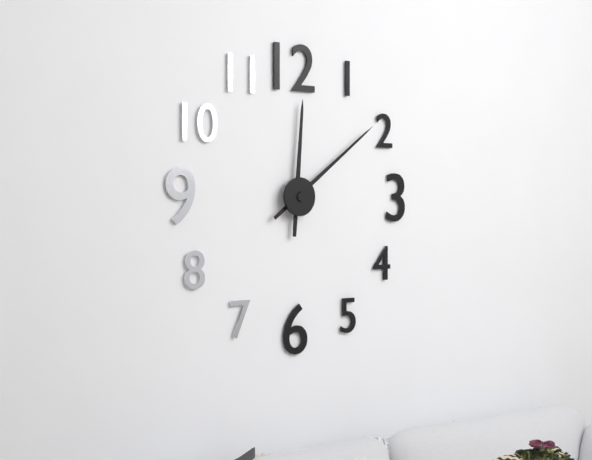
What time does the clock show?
12:09
